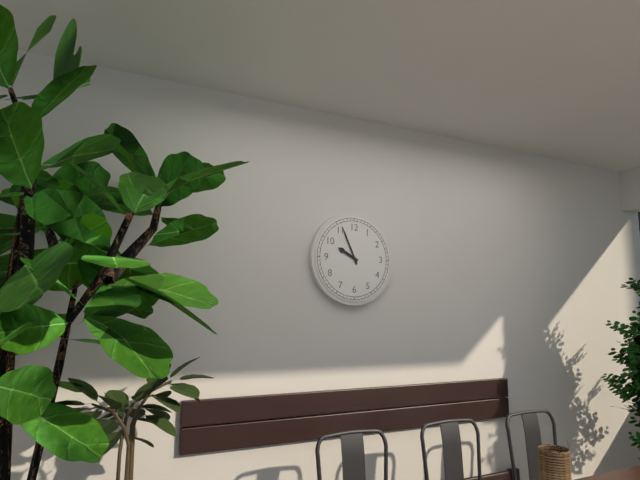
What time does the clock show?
9:56
